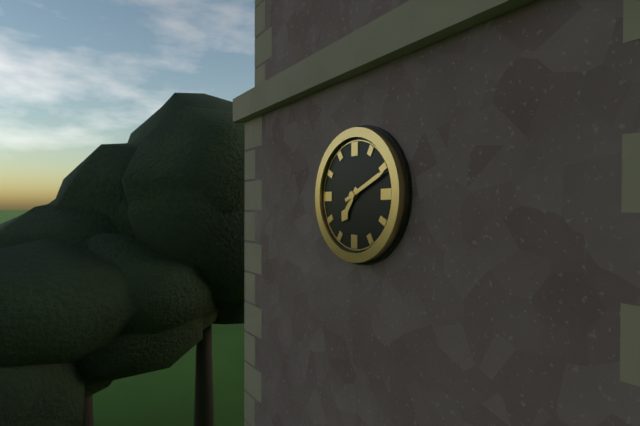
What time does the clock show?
7:11
